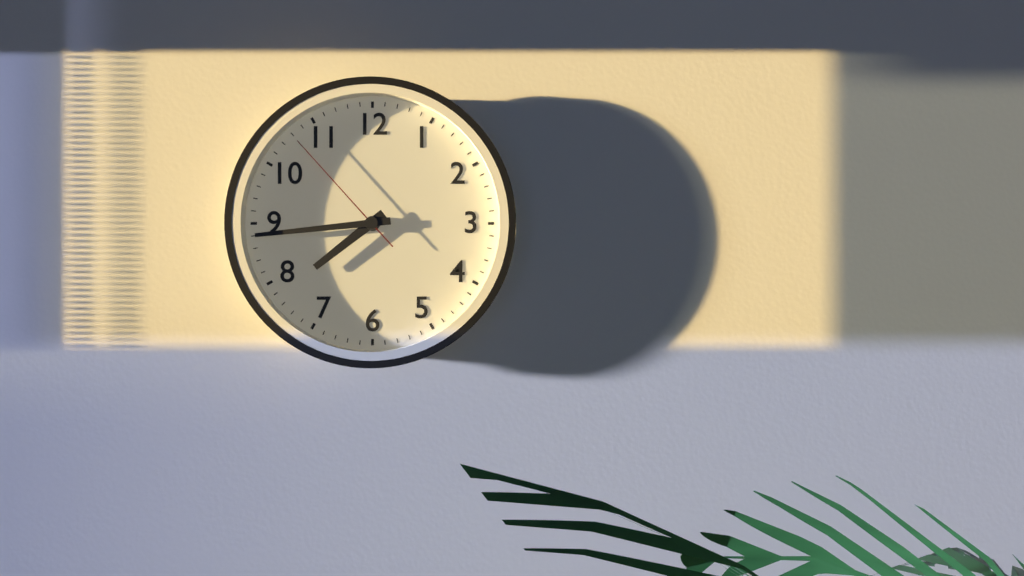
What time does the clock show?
7:44:53
